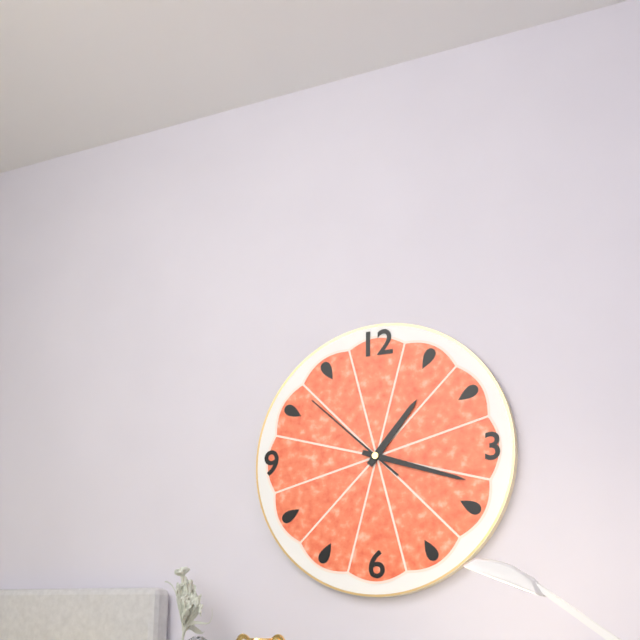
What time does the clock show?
1:18:52
